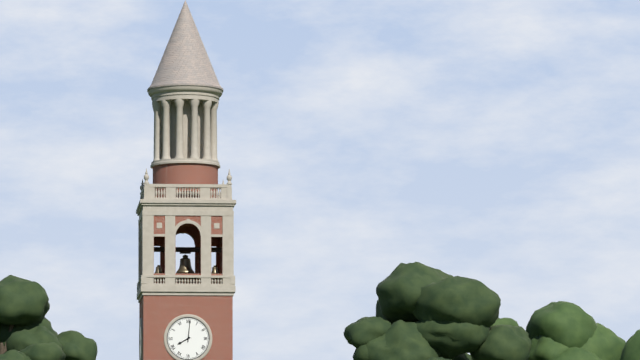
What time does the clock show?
8:01
